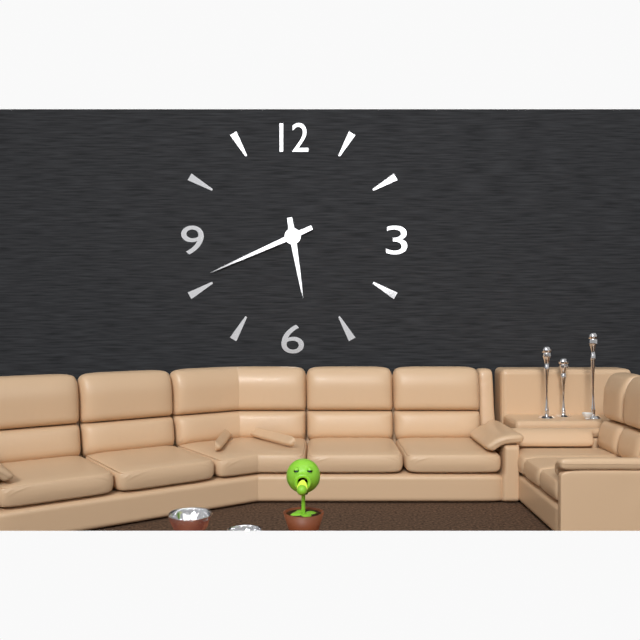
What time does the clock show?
5:41
